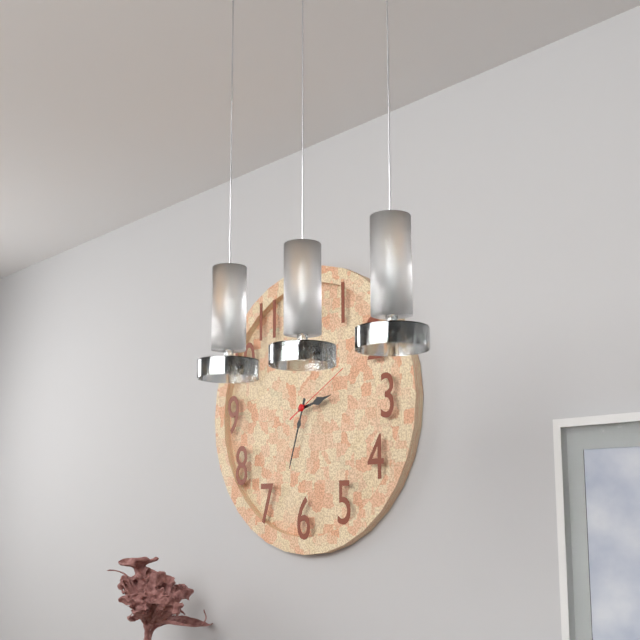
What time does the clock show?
2:33:10
